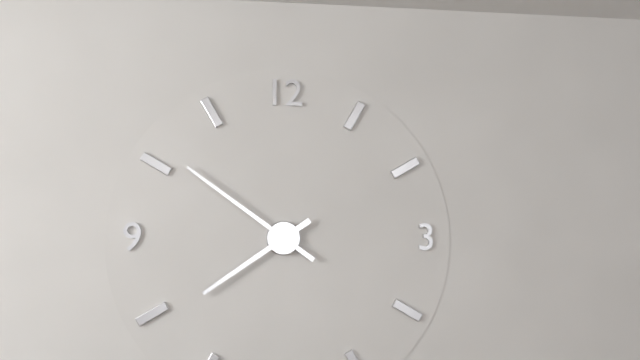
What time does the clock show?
7:51
